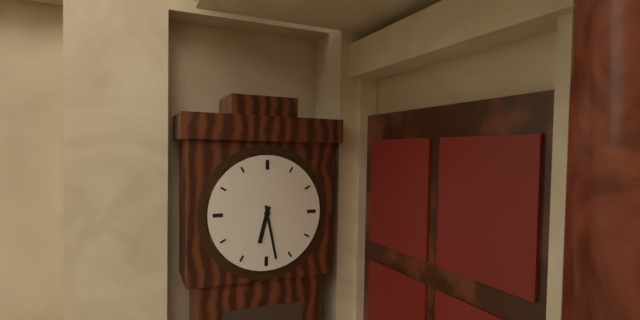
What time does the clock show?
6:28
